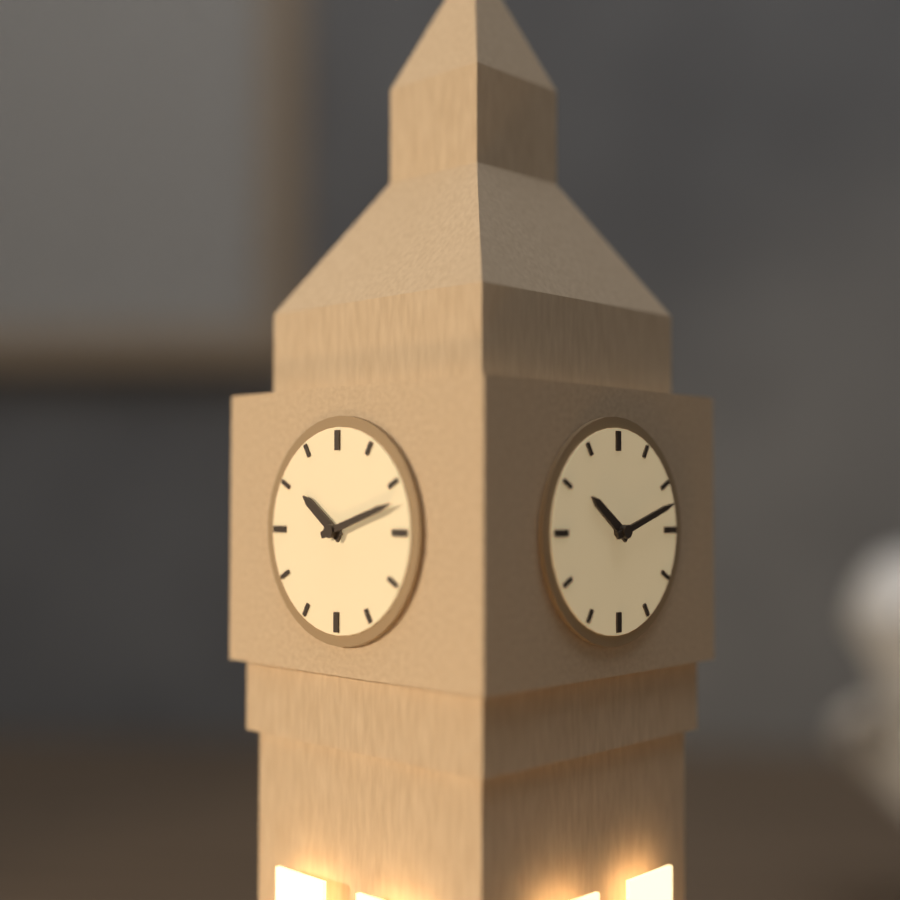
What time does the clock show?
10:12
